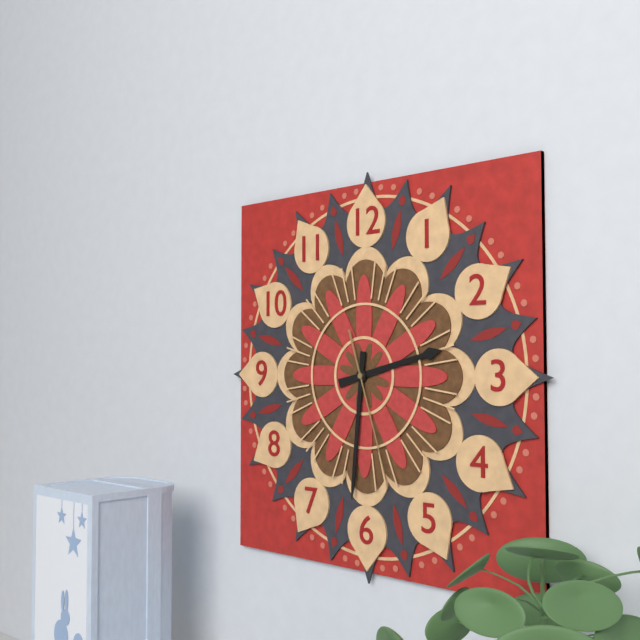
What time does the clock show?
2:31:27
